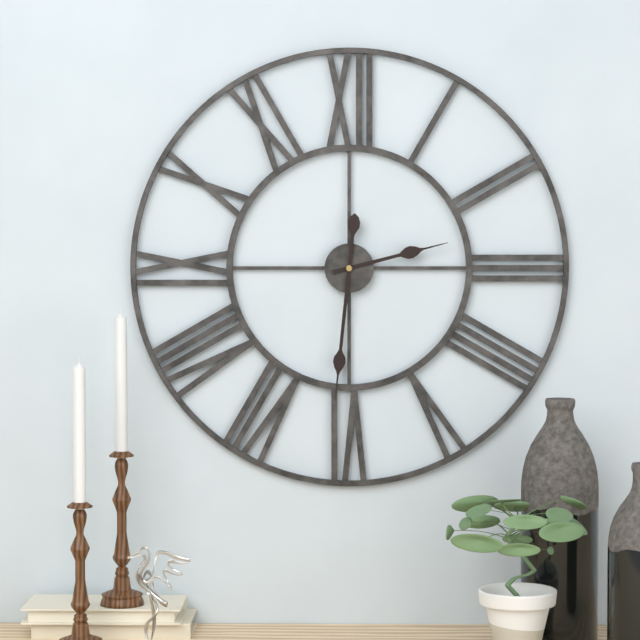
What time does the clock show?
2:31
